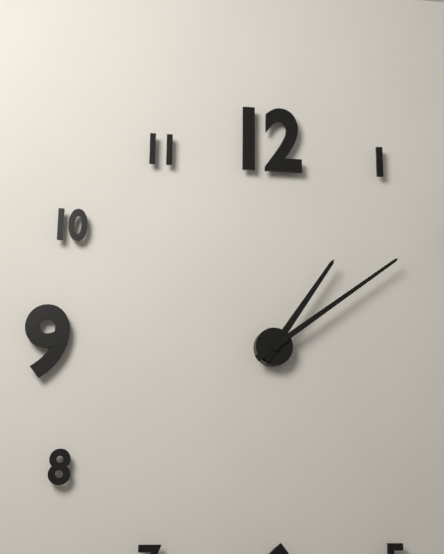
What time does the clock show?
1:09
